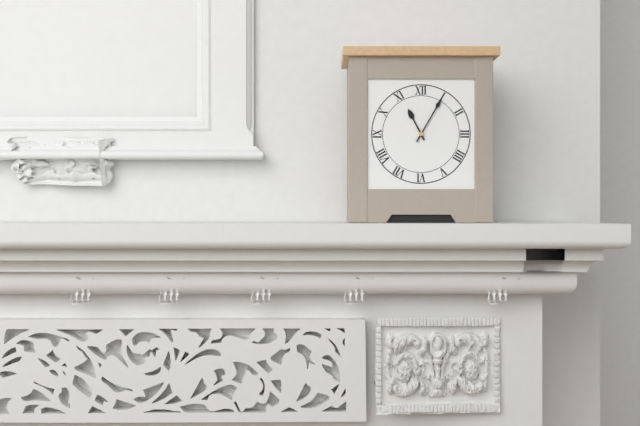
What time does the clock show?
11:05
